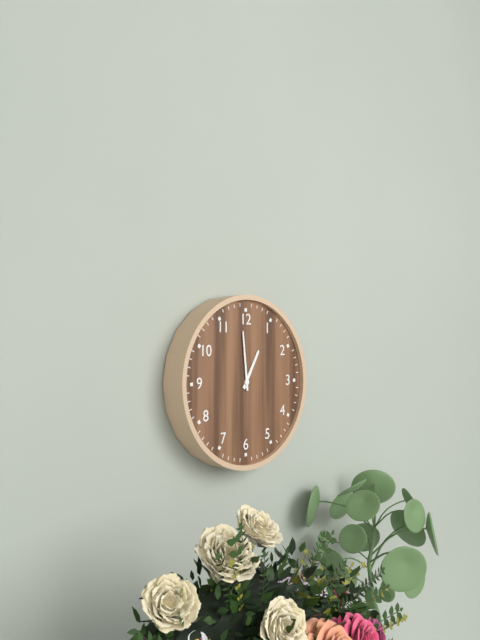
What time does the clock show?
12:59
